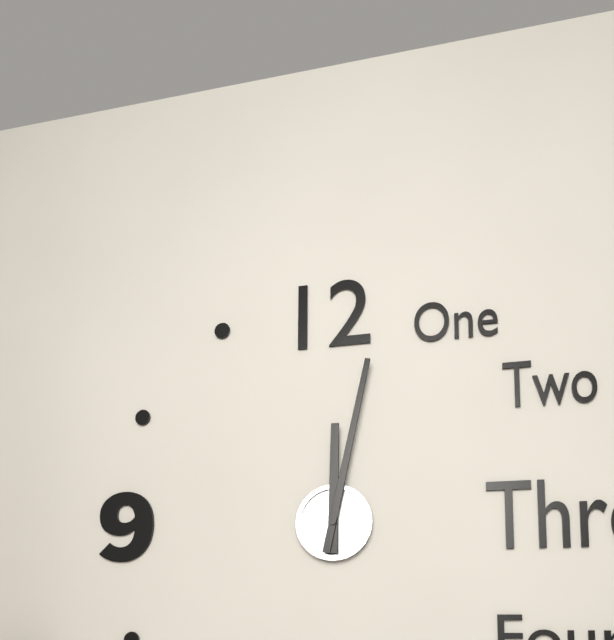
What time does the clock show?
12:02
